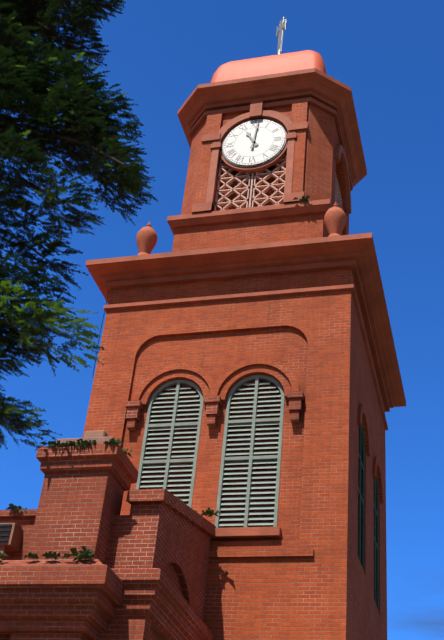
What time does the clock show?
11:01
